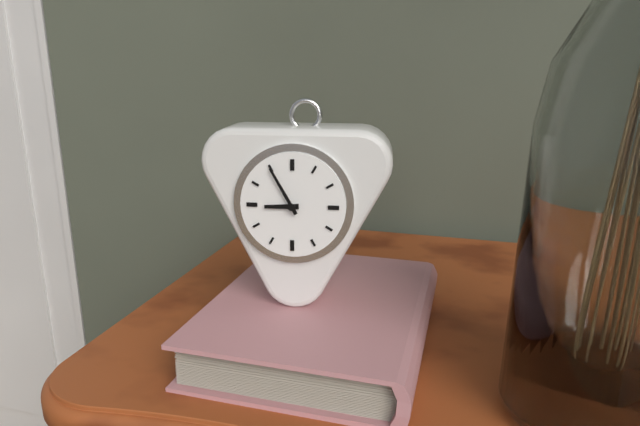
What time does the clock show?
8:55
